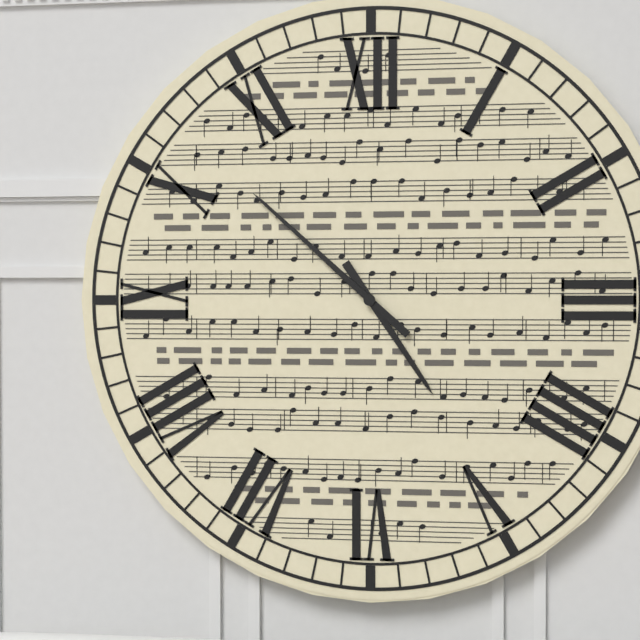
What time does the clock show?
4:52
